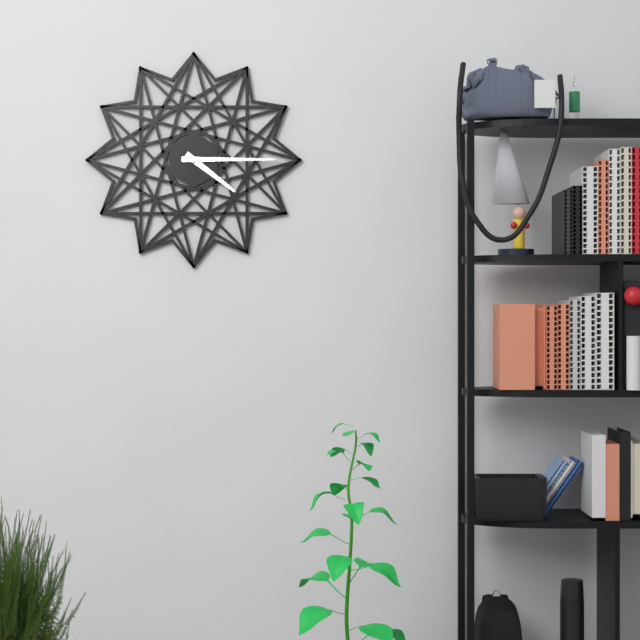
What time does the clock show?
4:15
